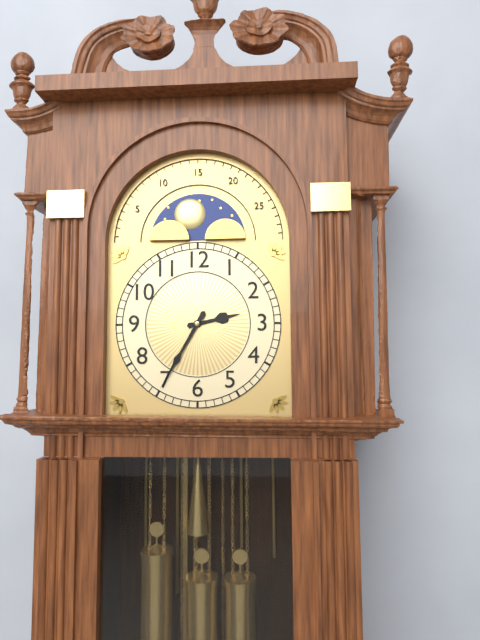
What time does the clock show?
2:35
